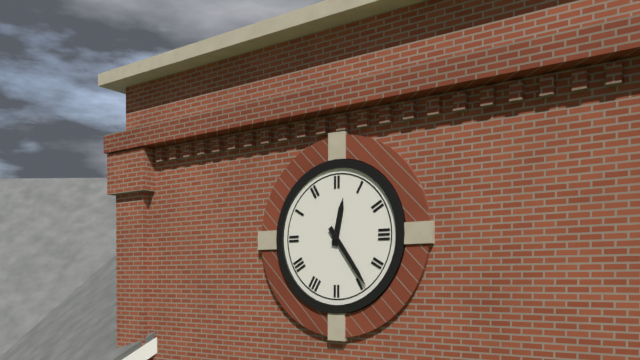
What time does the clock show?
12:24
